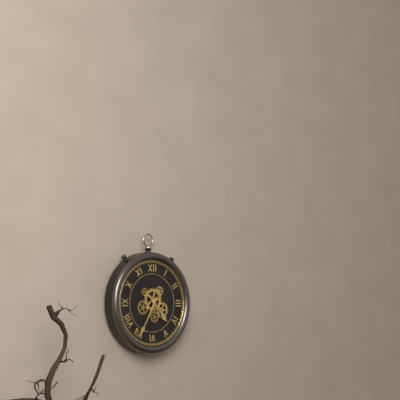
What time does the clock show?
4:35
